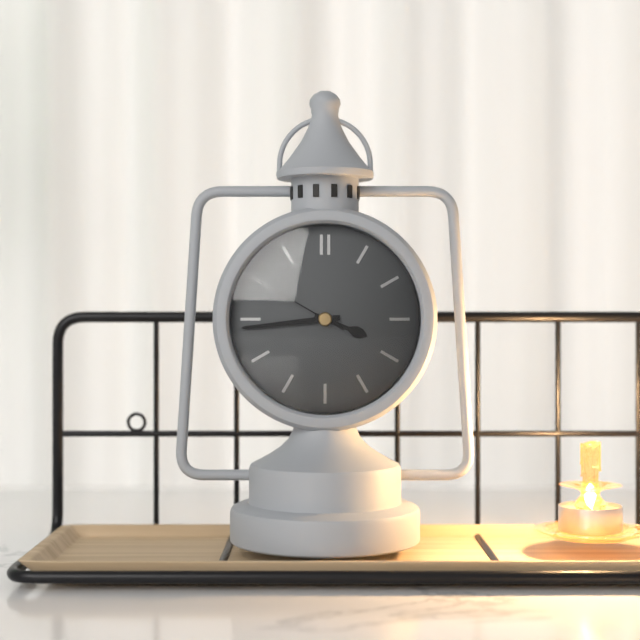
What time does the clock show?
3:44:50
